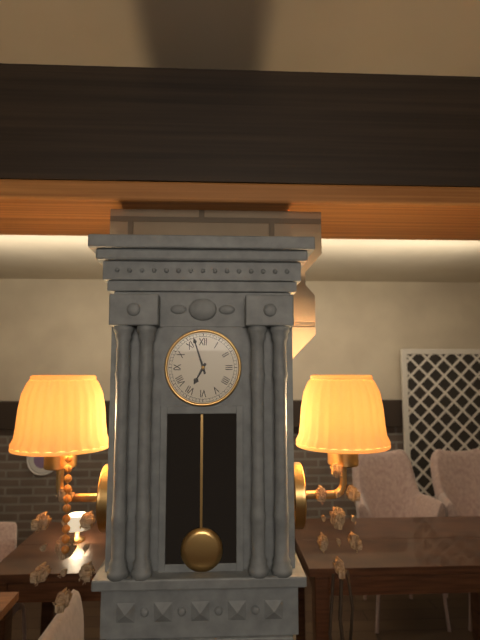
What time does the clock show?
6:57
